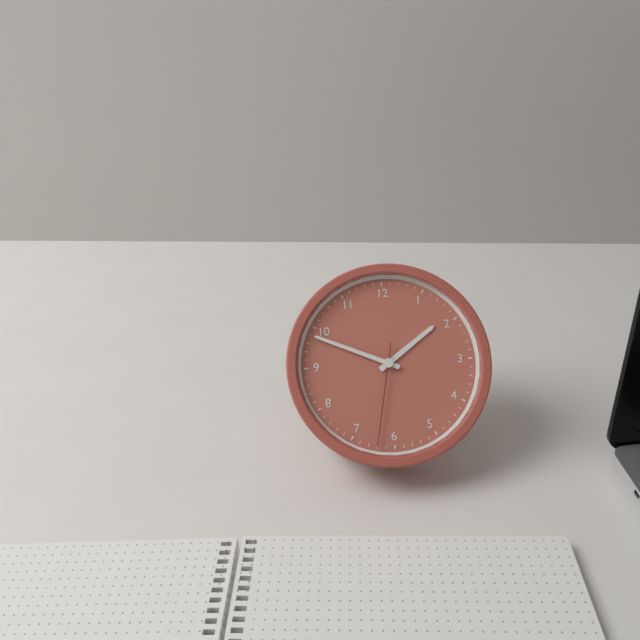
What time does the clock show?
1:49:32
